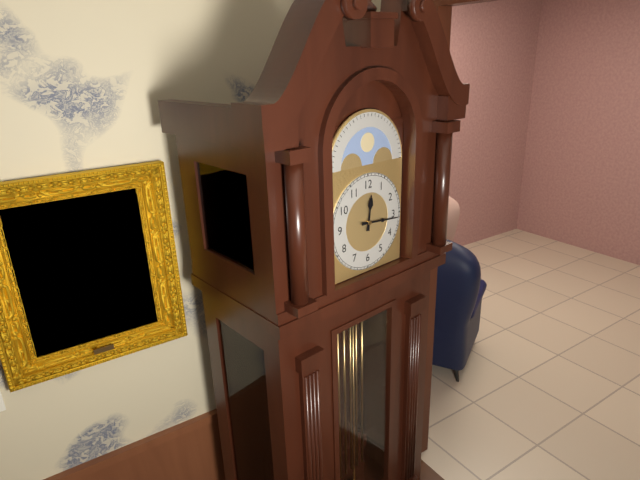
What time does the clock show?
12:16
